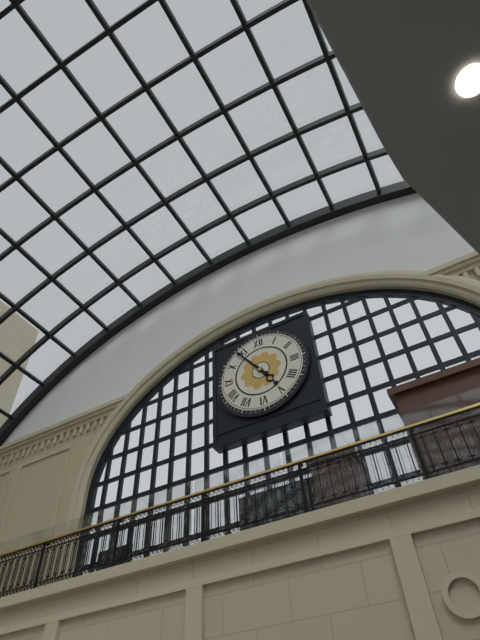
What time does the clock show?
4:54
